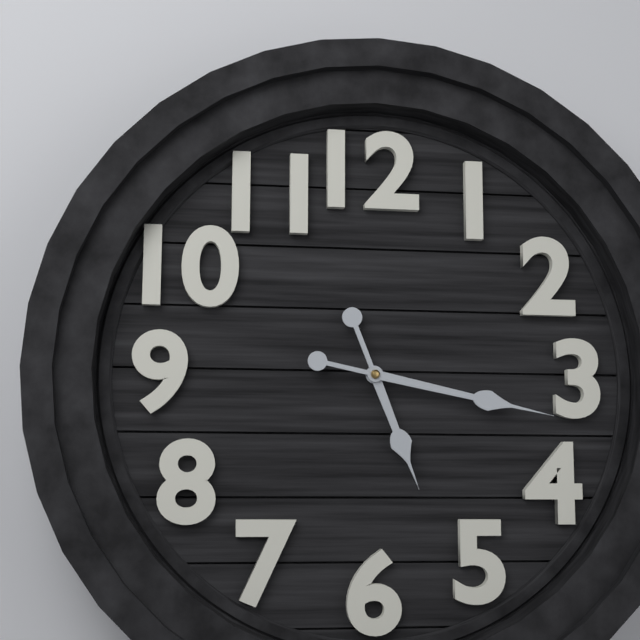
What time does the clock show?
5:17
